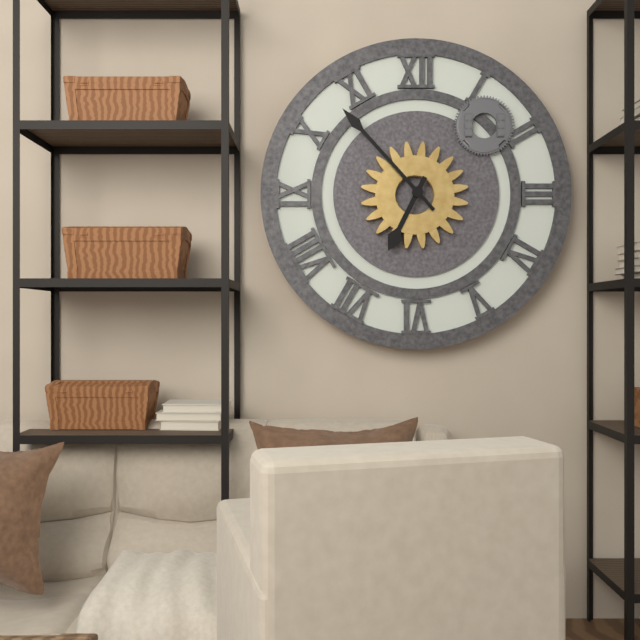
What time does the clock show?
6:53
